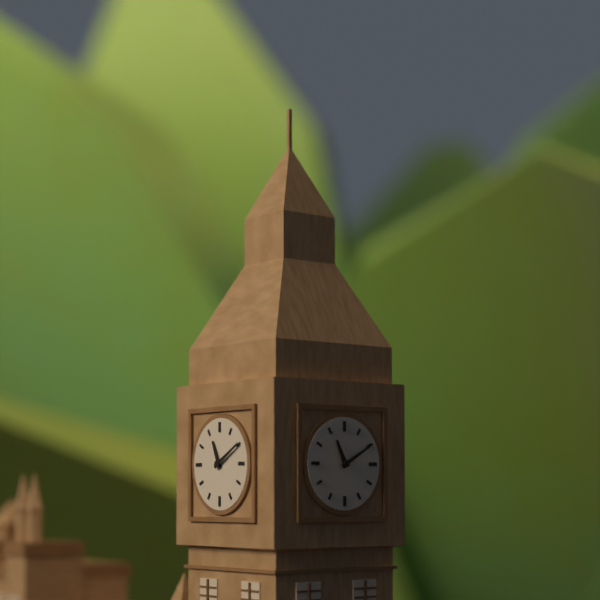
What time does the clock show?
11:10
